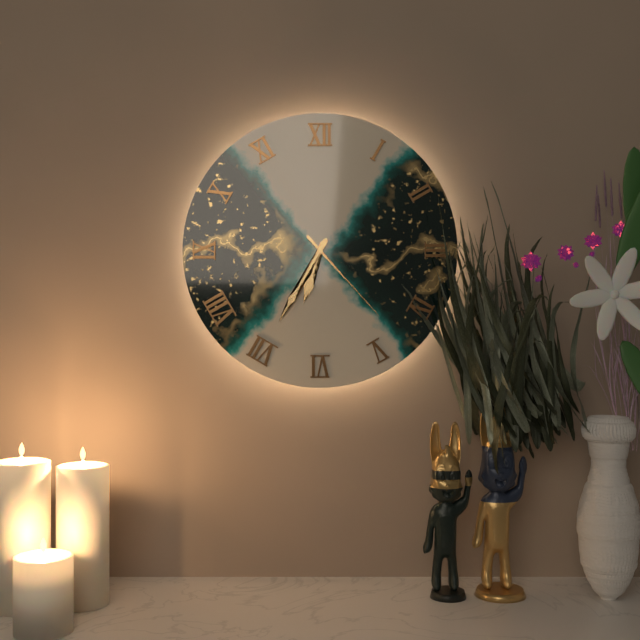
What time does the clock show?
6:35:23
